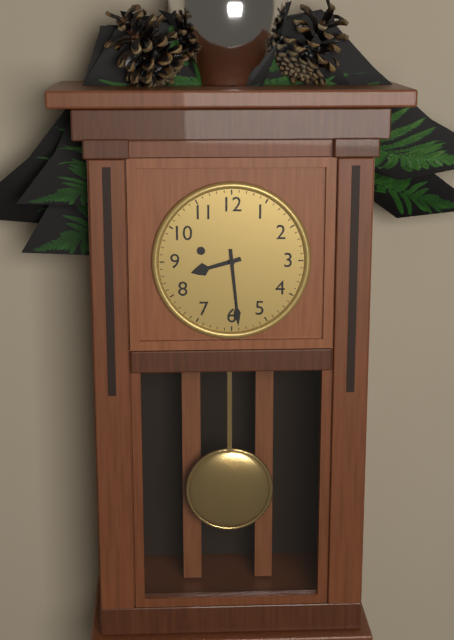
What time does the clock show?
8:29
